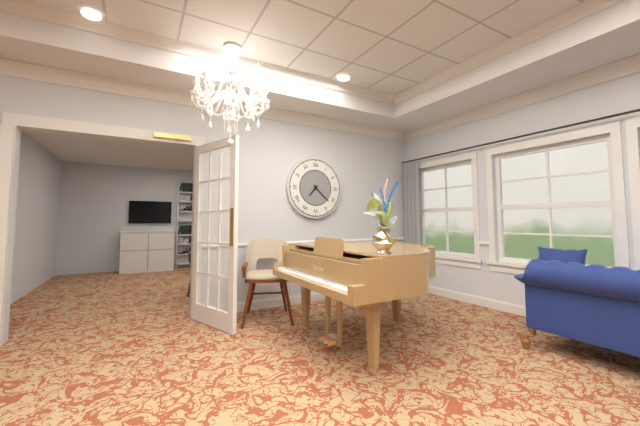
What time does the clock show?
7:22
